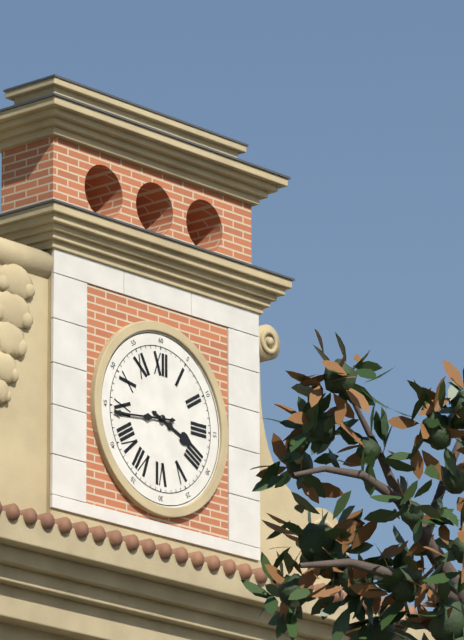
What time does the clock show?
3:44
